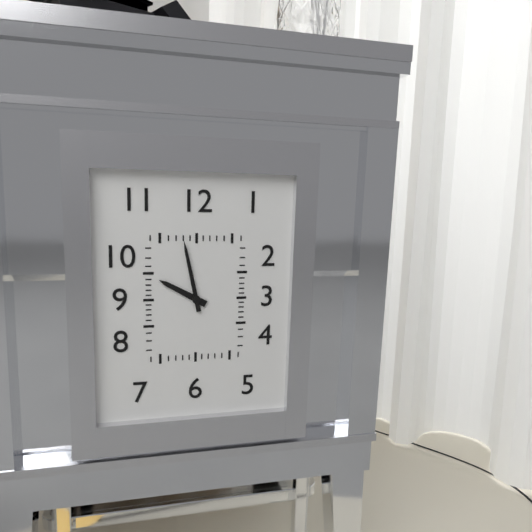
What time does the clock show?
9:58
